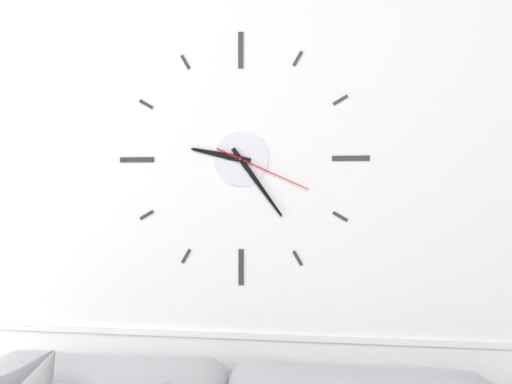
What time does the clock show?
9:24:19
